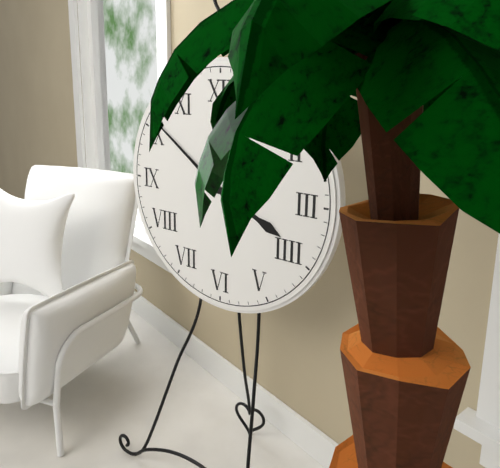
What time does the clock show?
3:51
